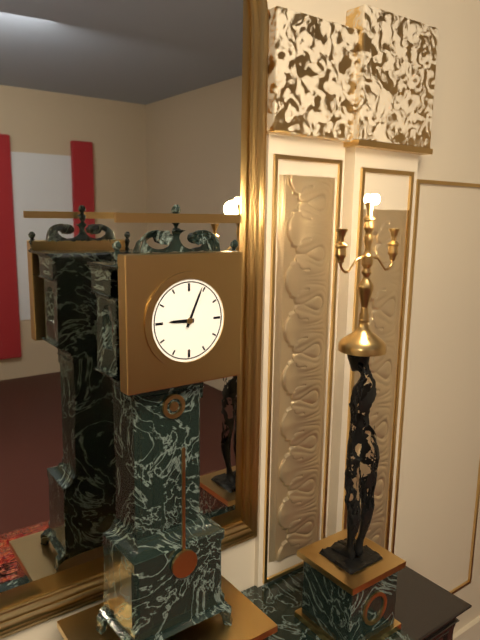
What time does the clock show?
9:04
